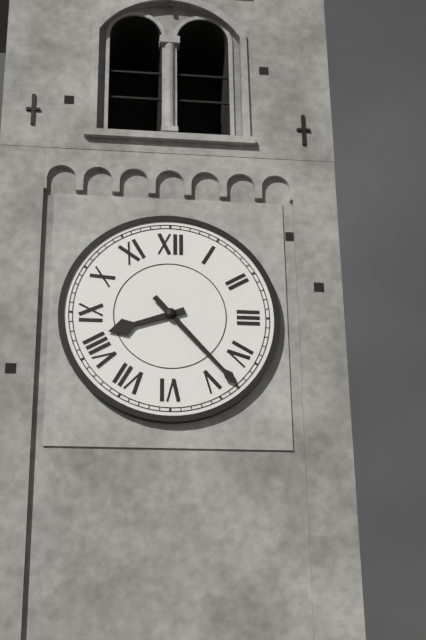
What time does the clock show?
8:23
